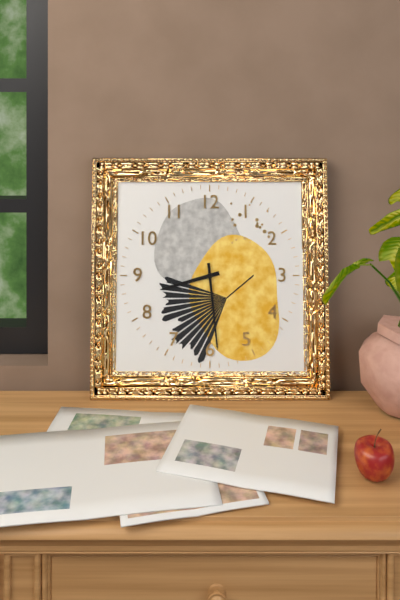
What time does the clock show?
8:29
